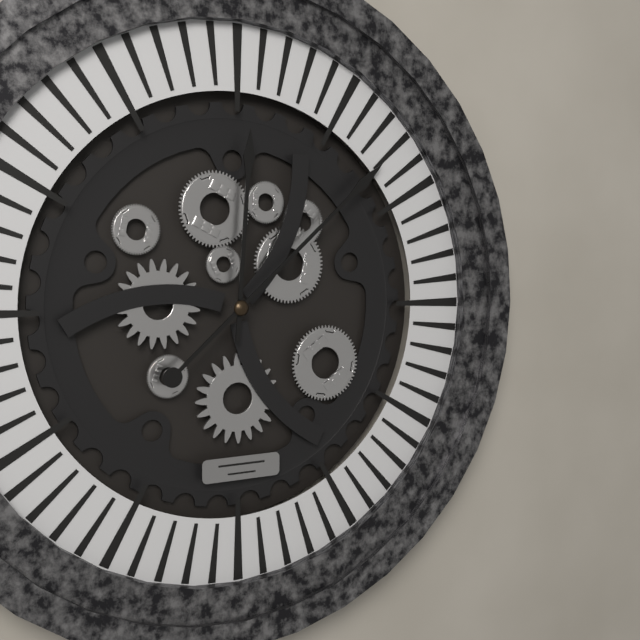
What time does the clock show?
12:08
